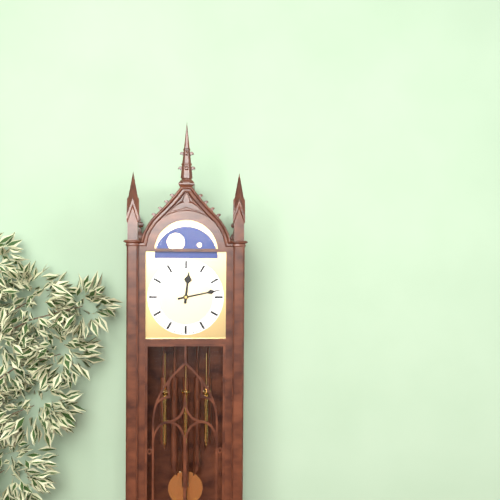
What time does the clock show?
12:13
